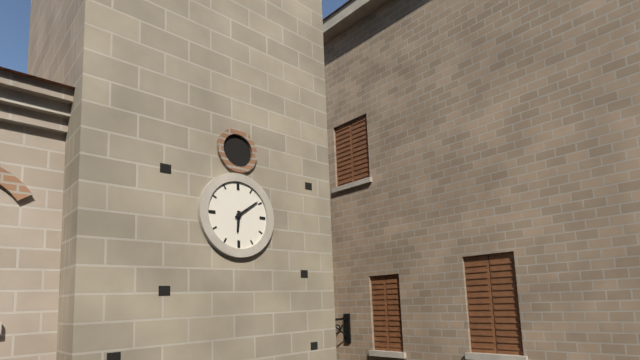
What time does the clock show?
6:09
